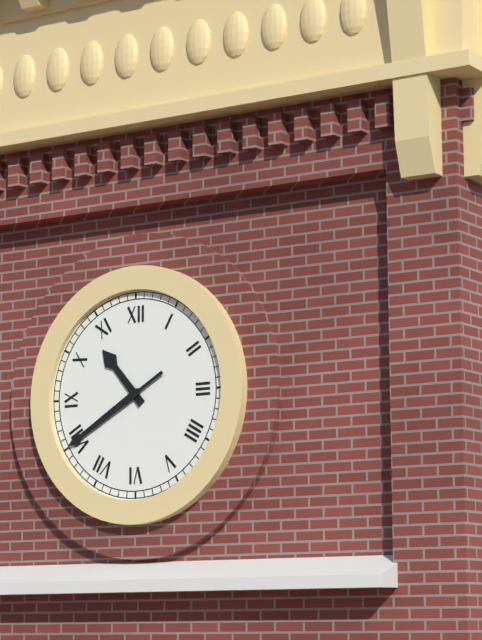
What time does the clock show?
10:40
